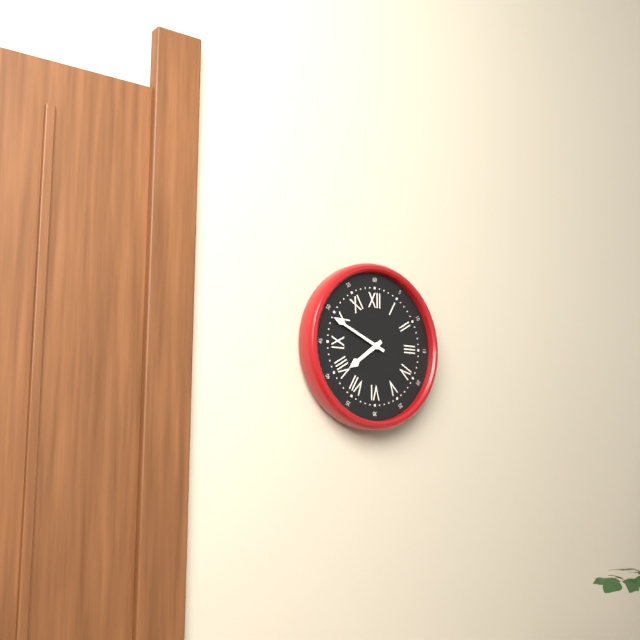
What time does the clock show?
7:49
